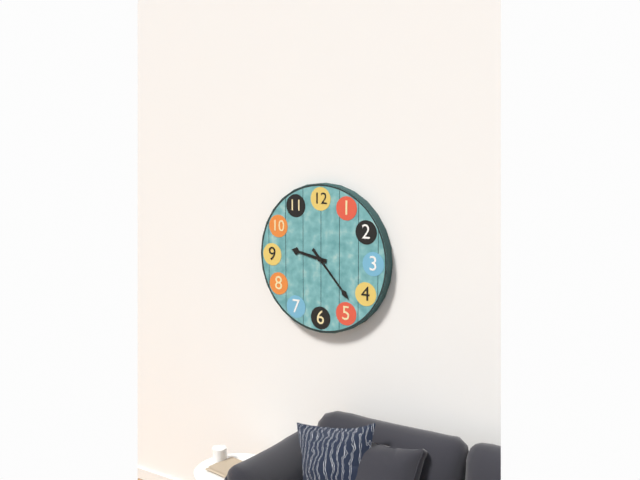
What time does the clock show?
9:23
